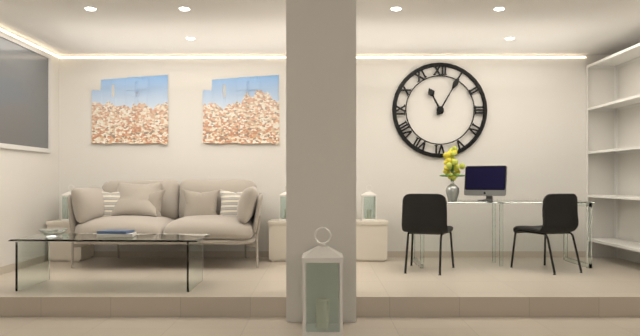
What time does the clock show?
11:05
